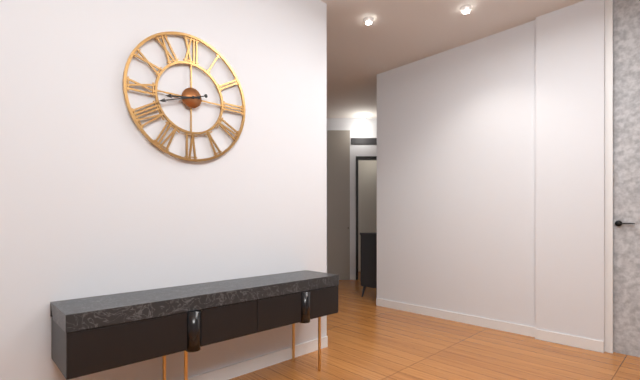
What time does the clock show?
8:42
